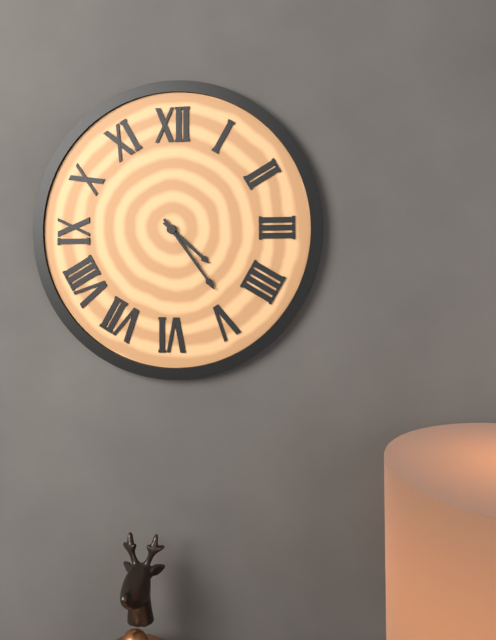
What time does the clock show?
4:24
